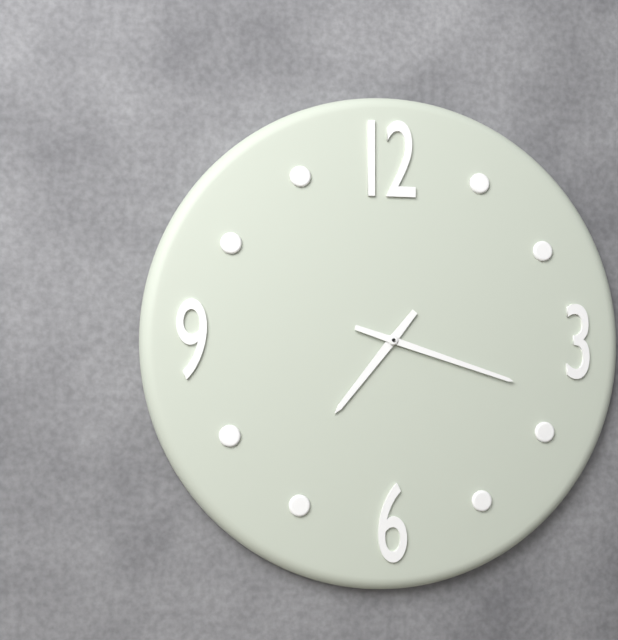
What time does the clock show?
7:18
